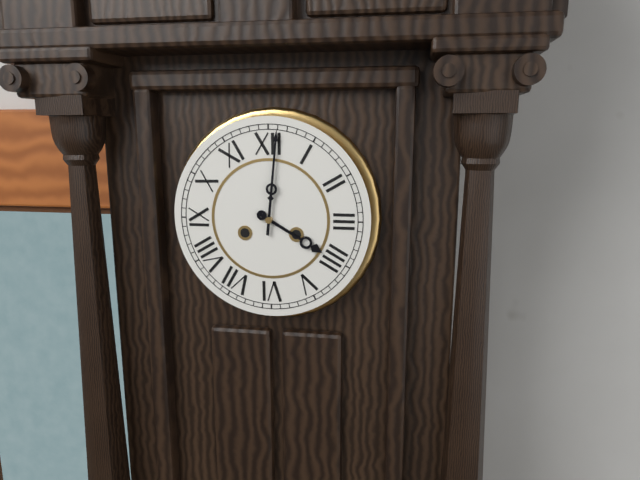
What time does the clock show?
4:01
